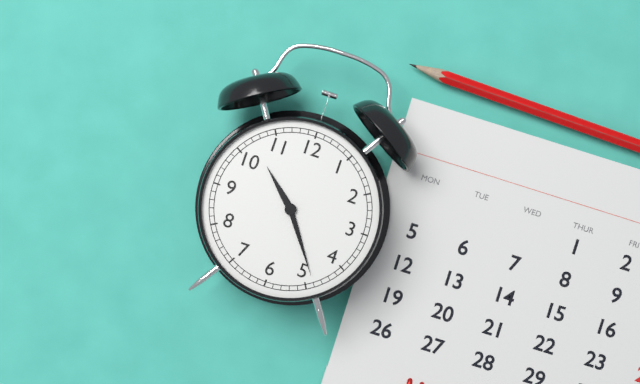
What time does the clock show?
10:24
